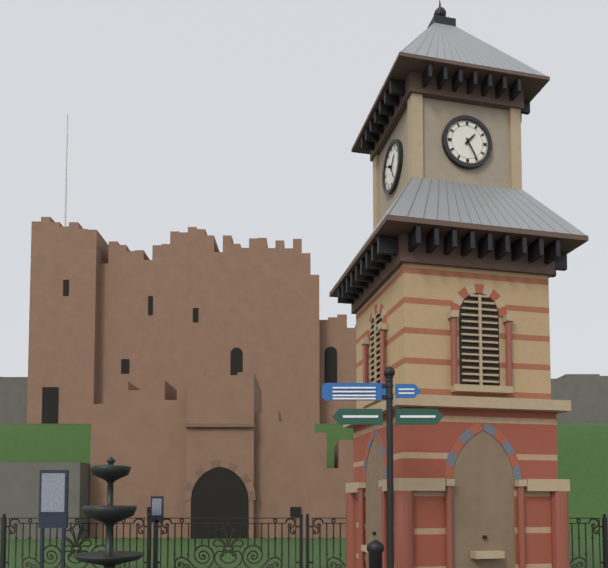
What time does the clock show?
1:25
